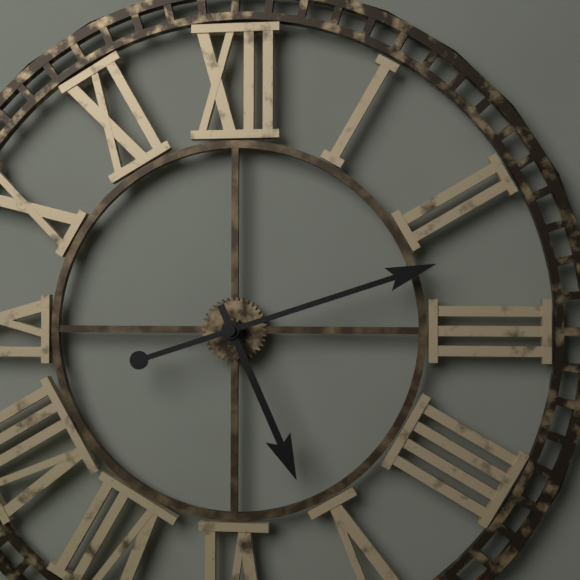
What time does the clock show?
5:12
